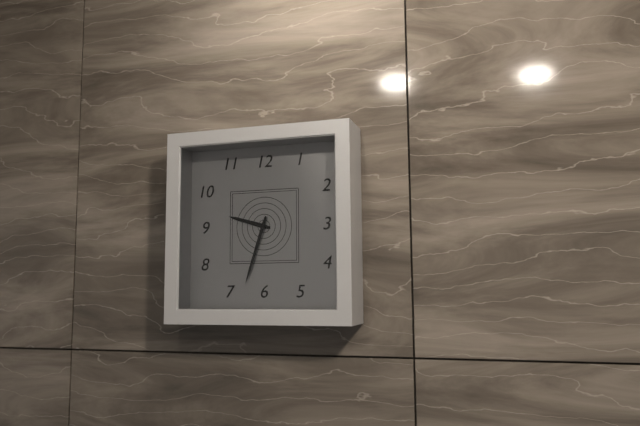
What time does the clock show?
9:33
